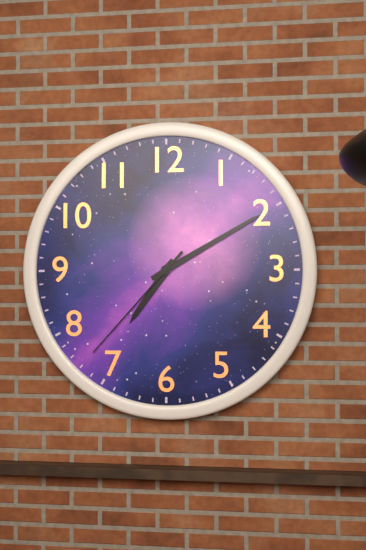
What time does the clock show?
7:10:37
